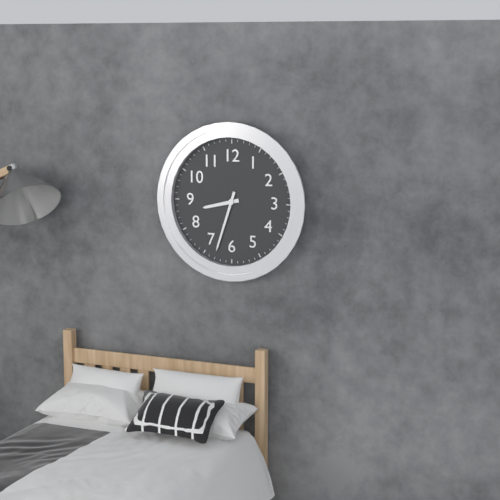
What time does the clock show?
8:33
